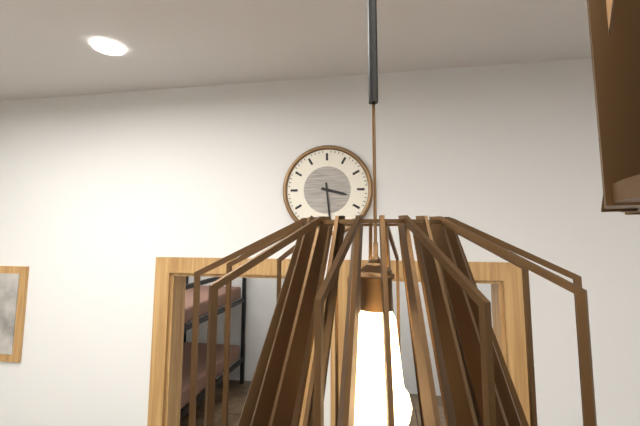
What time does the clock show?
3:29
